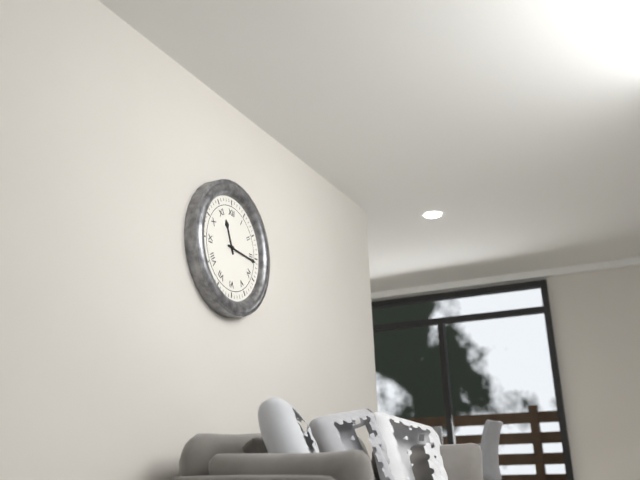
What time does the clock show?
11:16
